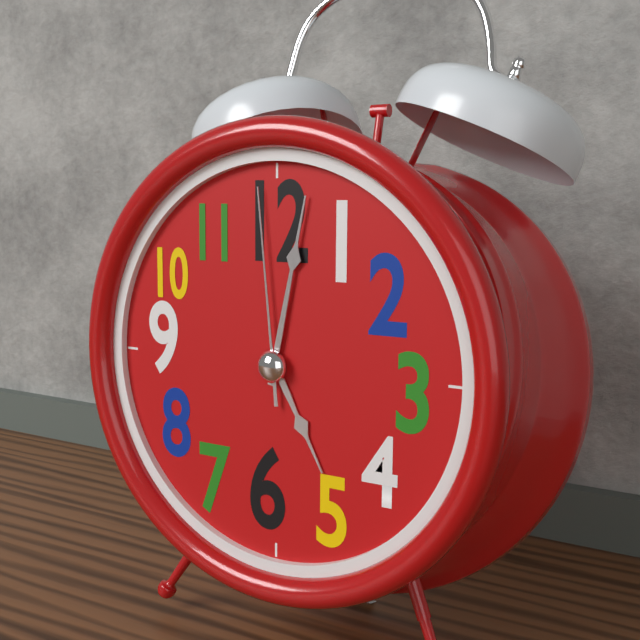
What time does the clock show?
5:02:59
